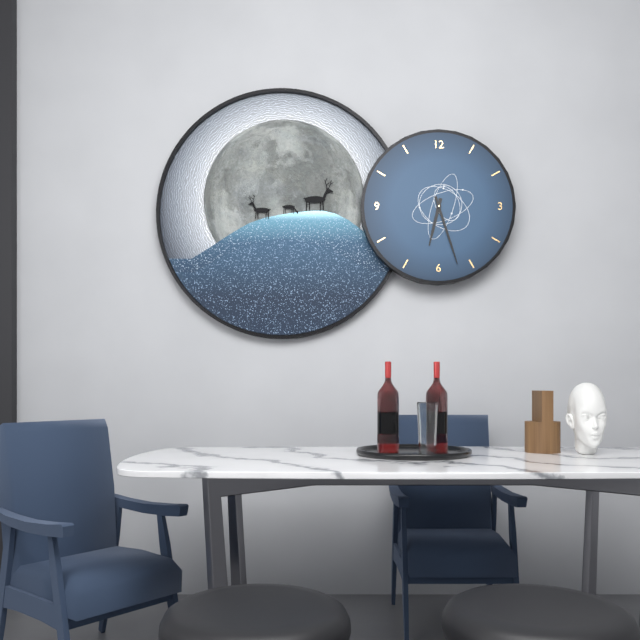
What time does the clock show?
6:27
